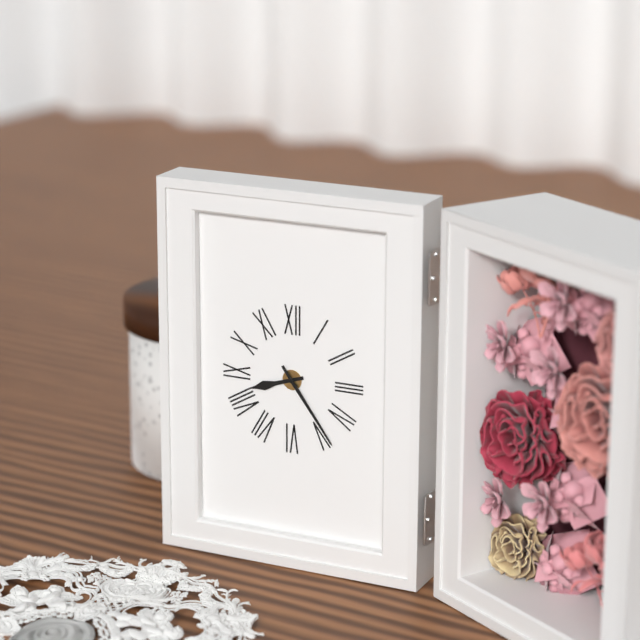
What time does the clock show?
8:24
